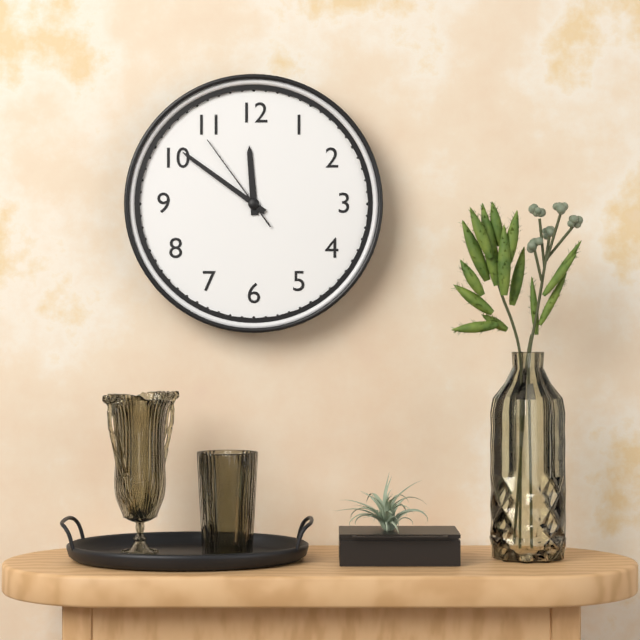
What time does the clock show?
11:51:54
